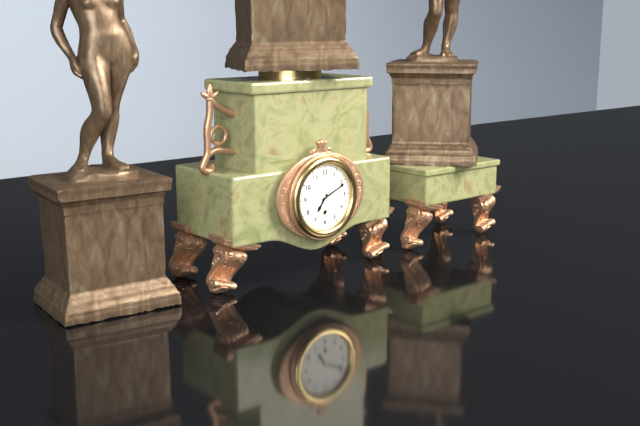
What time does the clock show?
7:11
